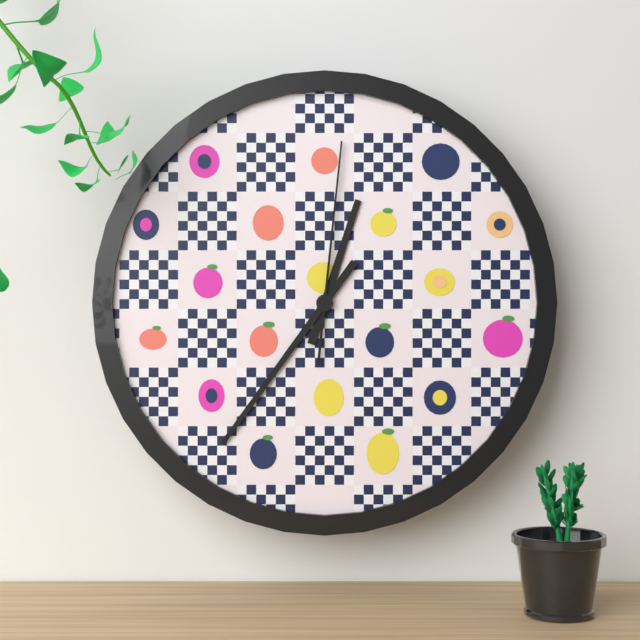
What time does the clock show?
12:36:01
